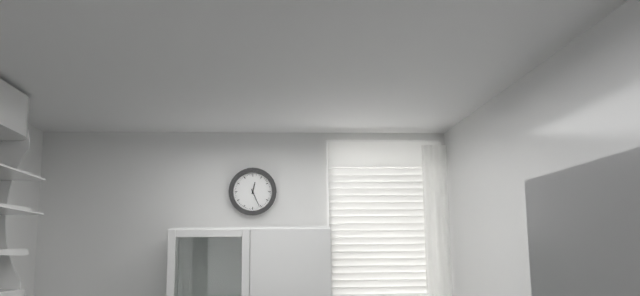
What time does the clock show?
12:26
